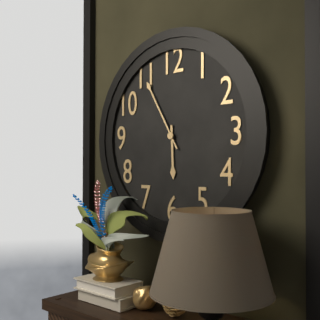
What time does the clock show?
5:55
